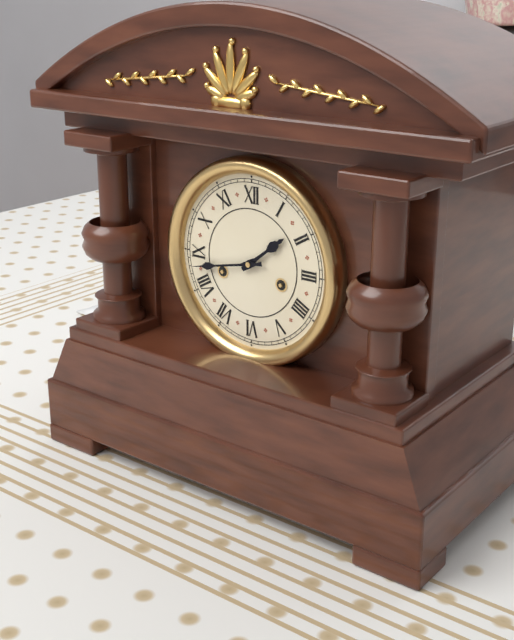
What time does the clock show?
1:43
